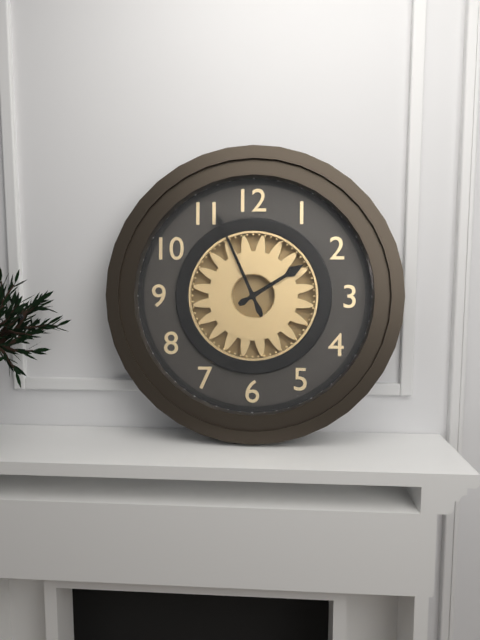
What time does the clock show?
1:56
